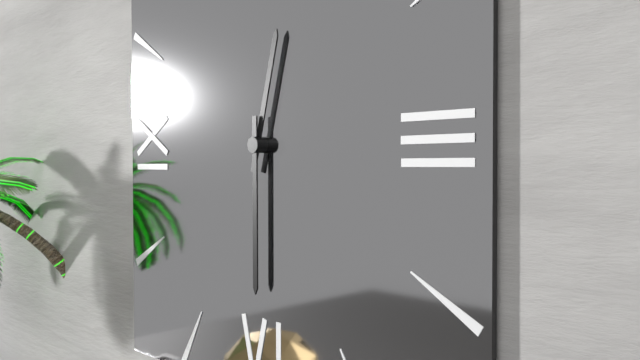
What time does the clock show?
12:30
